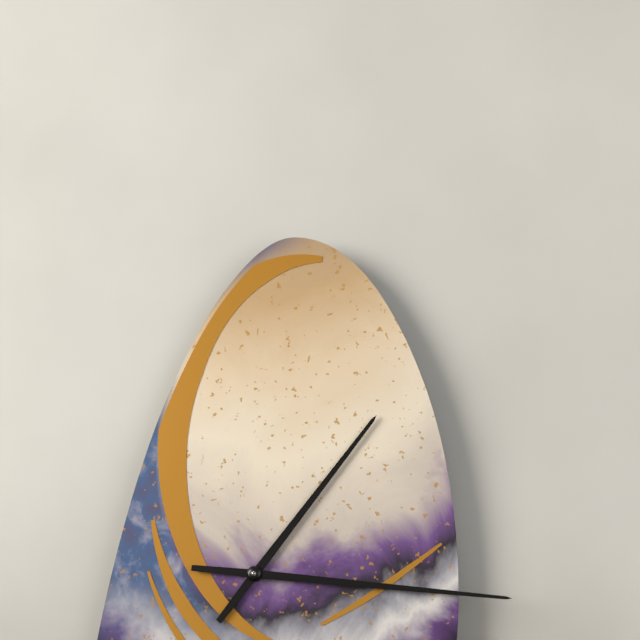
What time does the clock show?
1:16
